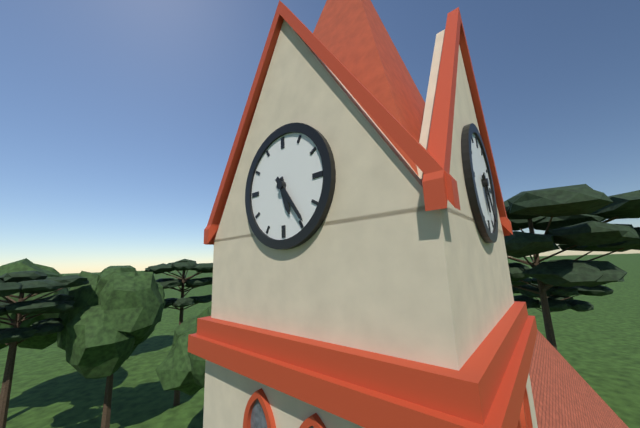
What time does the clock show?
5:24
